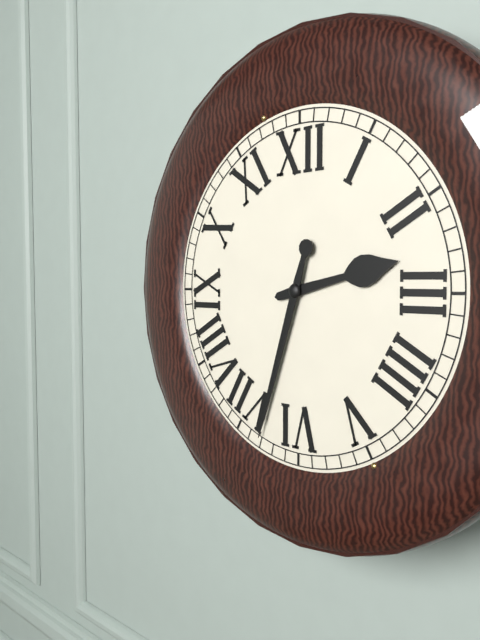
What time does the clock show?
2:33
